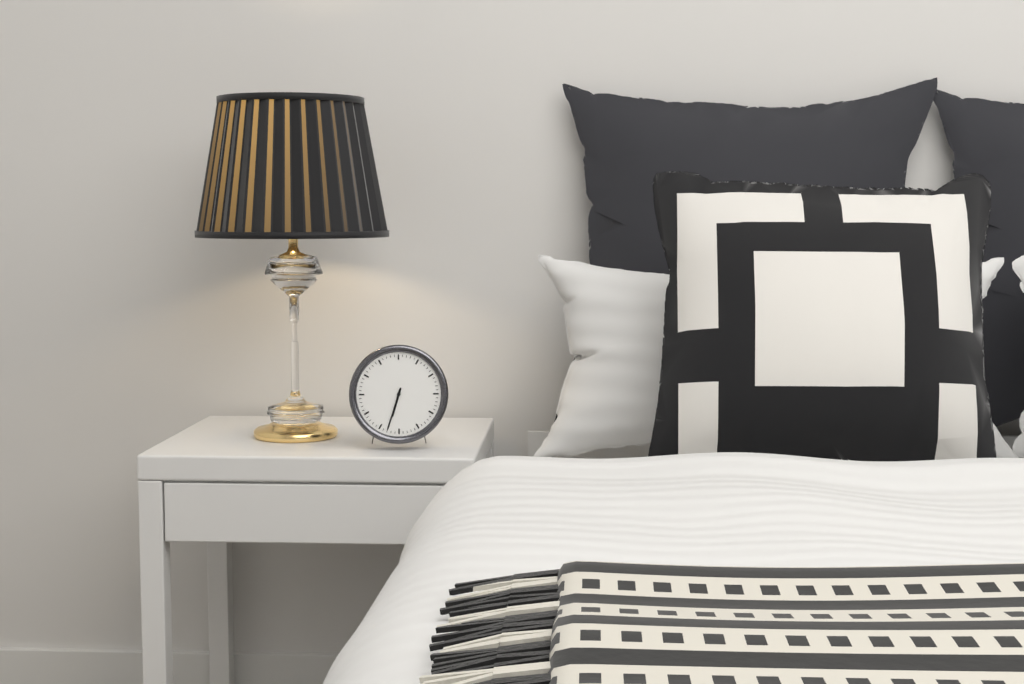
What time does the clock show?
6:33
